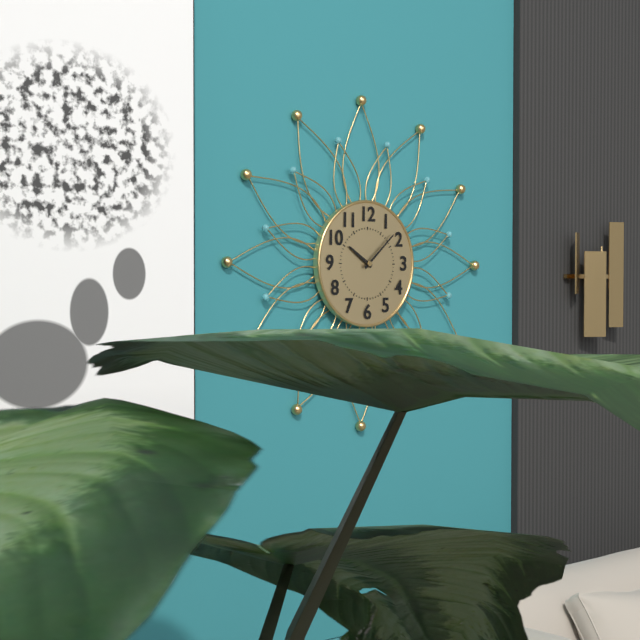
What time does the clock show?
10:08
